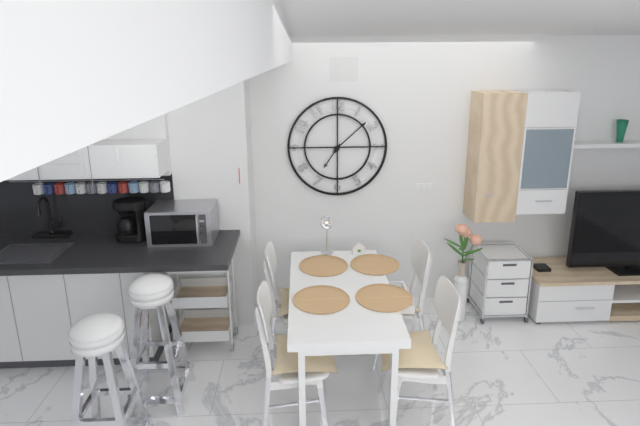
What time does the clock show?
7:08
